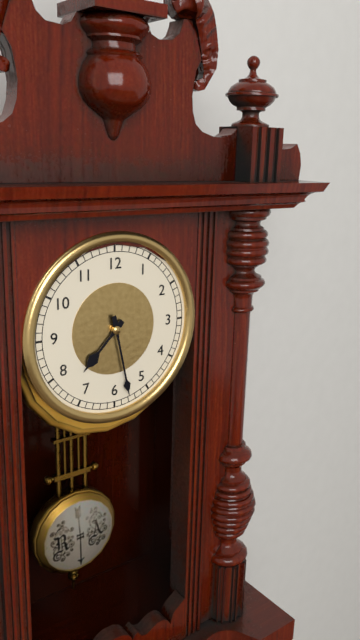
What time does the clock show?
7:28
